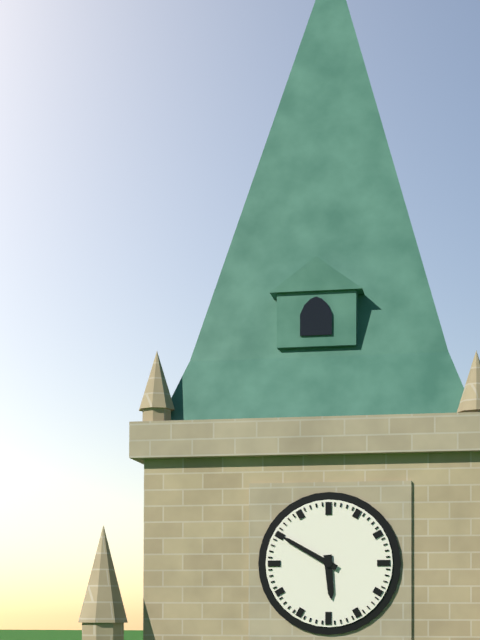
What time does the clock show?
5:50
